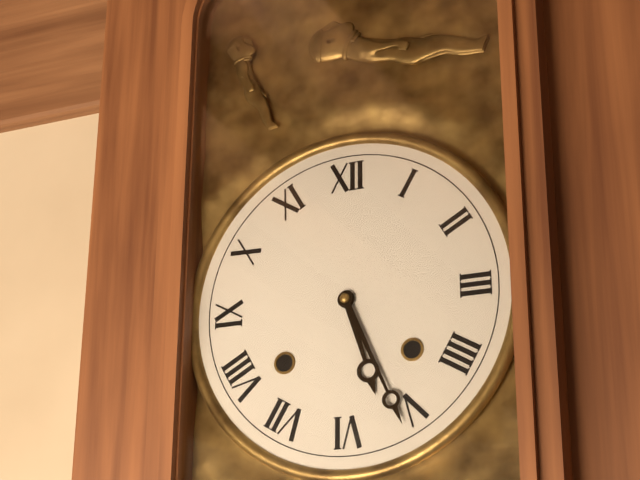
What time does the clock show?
5:26
